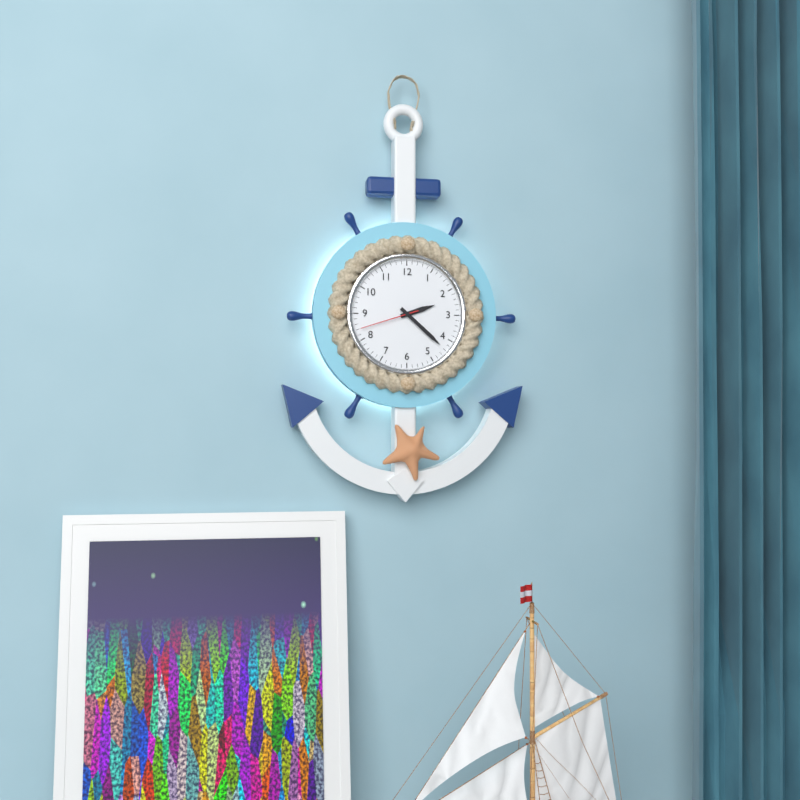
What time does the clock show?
2:22:42
